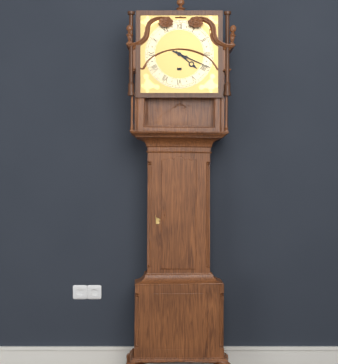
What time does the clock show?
4:19
